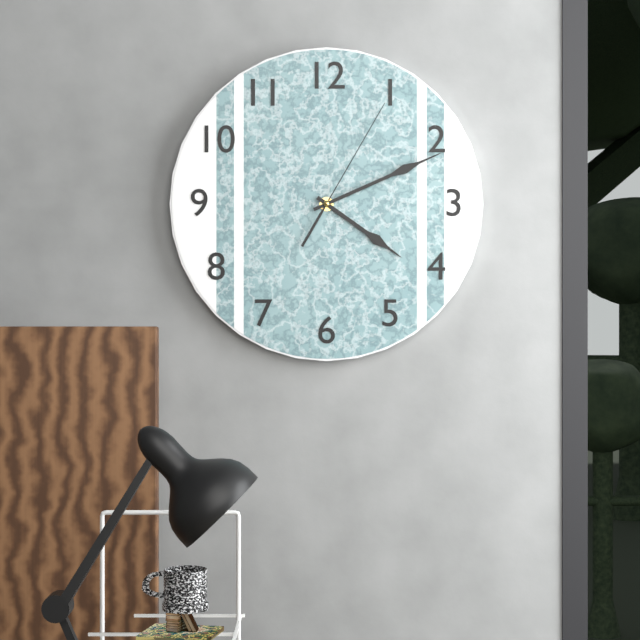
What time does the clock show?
4:11:05
